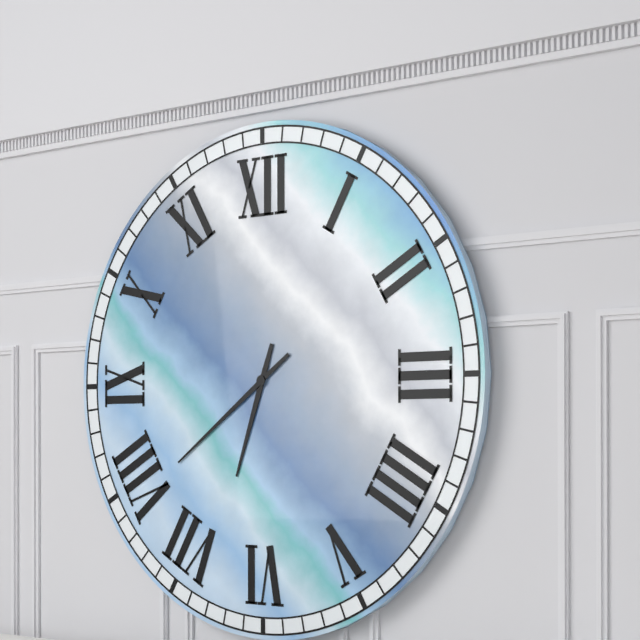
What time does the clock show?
6:39
